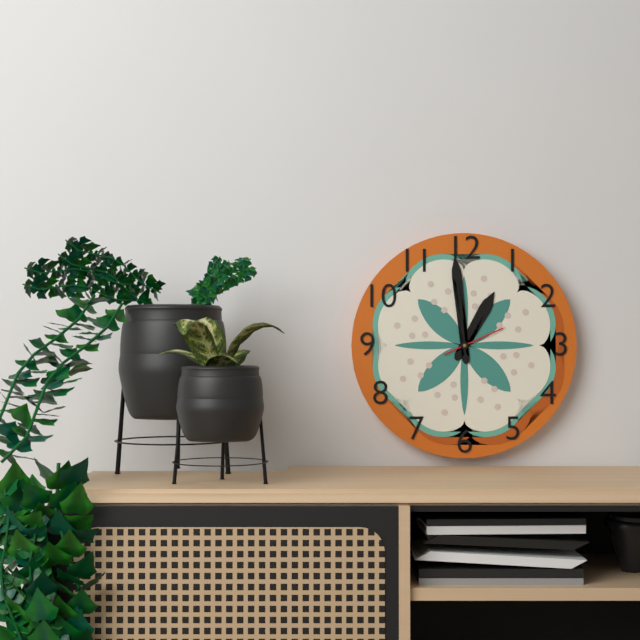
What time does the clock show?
12:59:11
